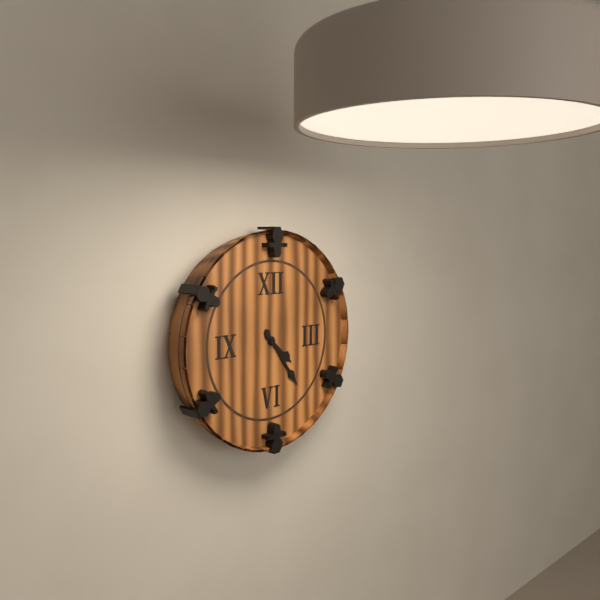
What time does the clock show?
4:24
